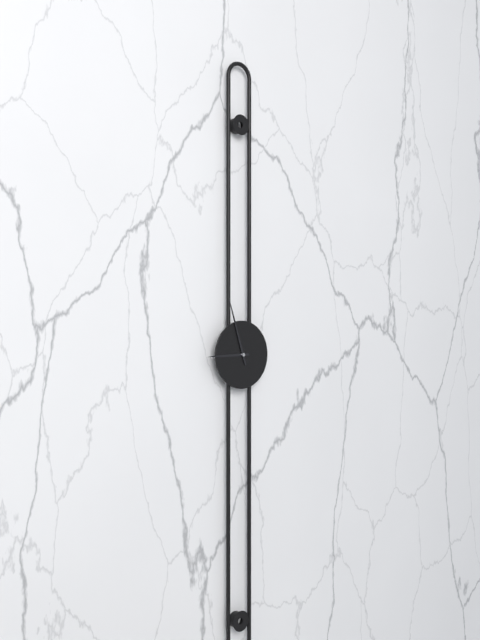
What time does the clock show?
8:57
